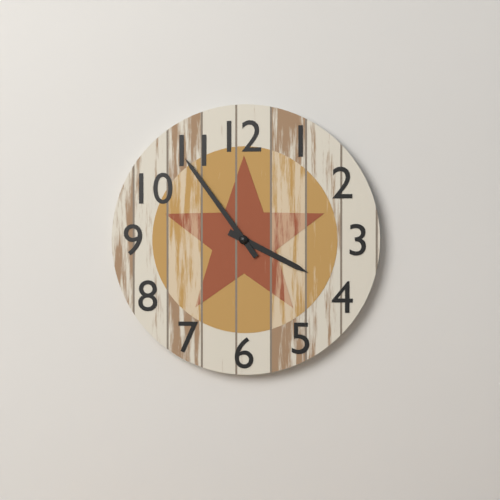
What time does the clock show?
3:54
